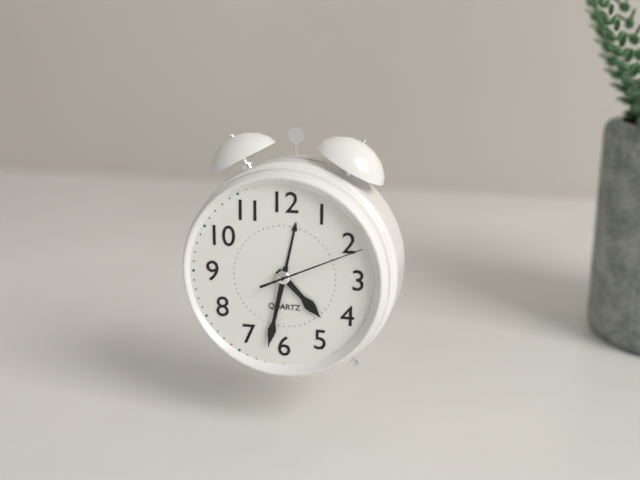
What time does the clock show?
4:32:11
